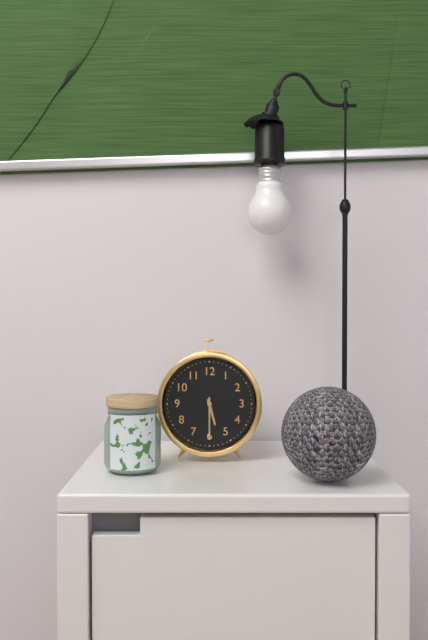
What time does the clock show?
5:30
